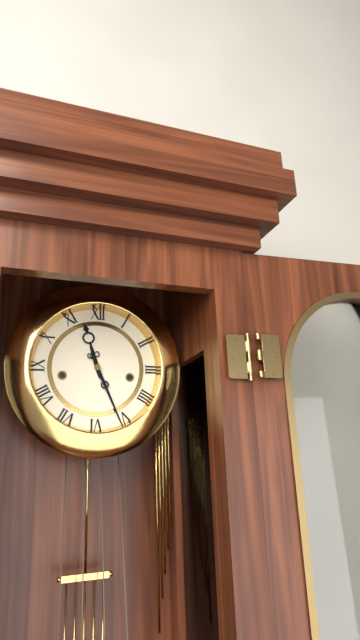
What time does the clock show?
11:26
